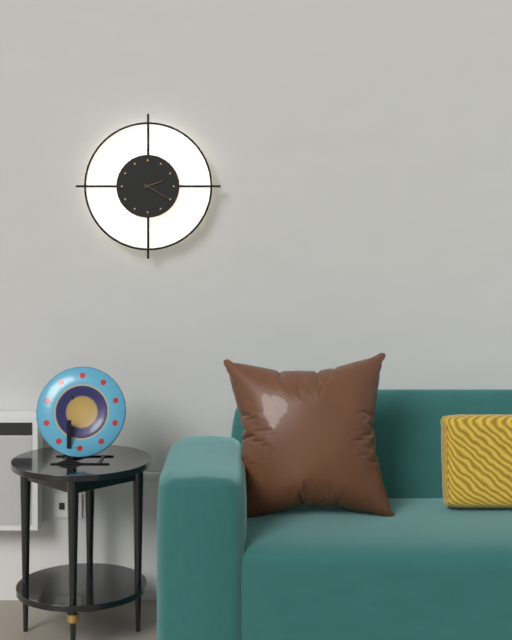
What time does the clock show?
2:20
